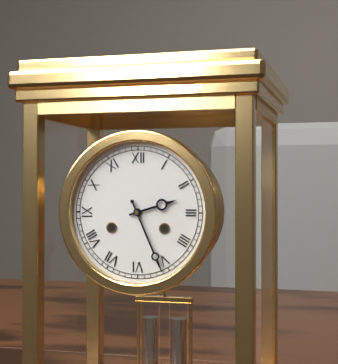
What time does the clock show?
2:26
